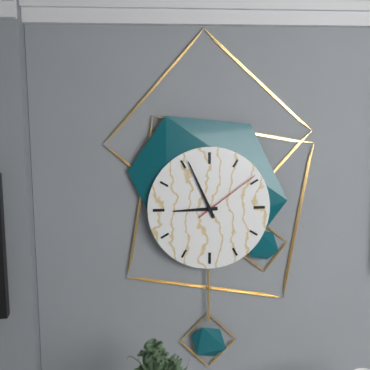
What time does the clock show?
8:56:09
